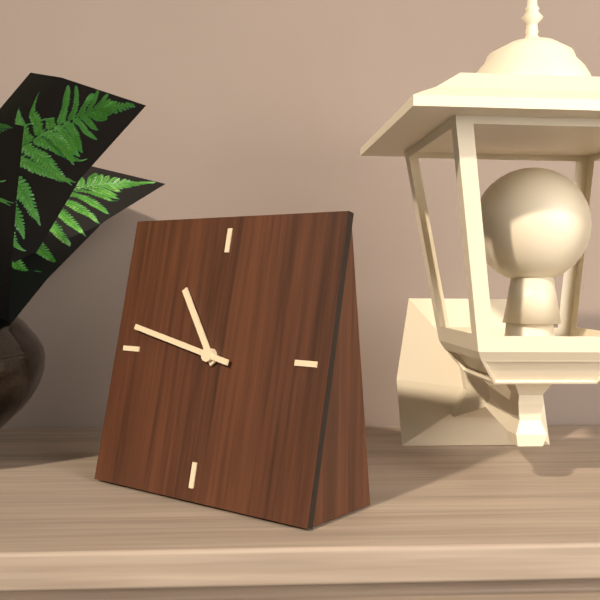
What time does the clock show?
10:47
